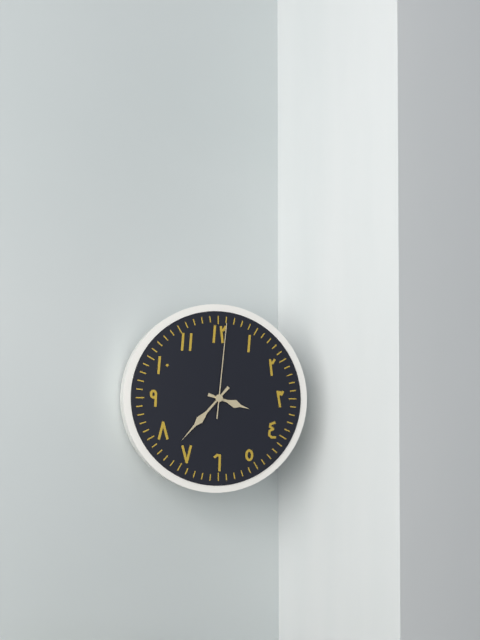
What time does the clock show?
3:37:01
